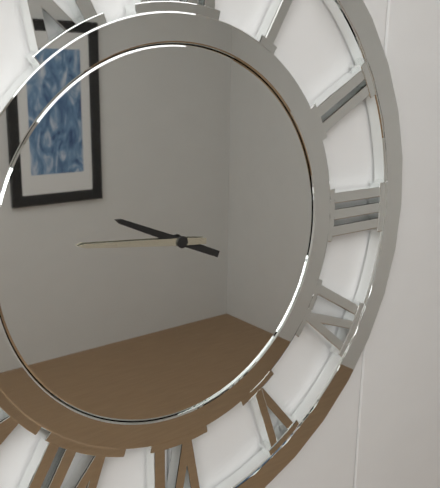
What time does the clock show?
9:46
